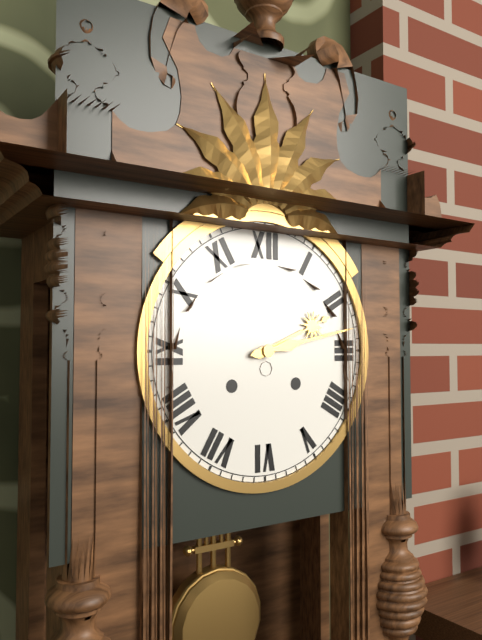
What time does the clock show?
2:13
